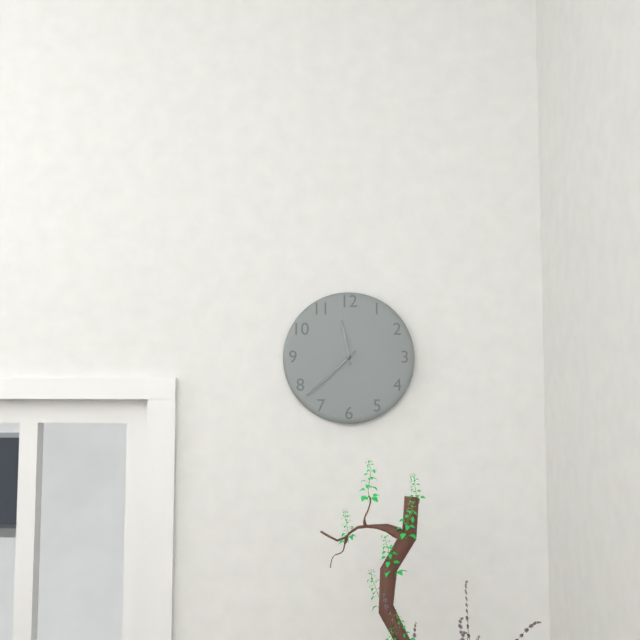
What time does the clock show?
11:38
